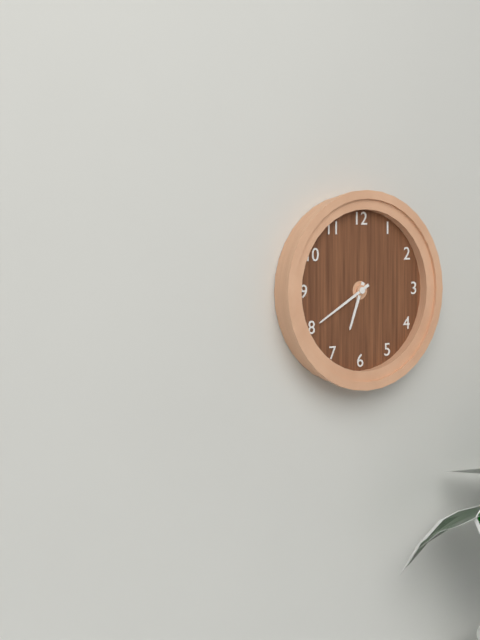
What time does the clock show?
6:40
